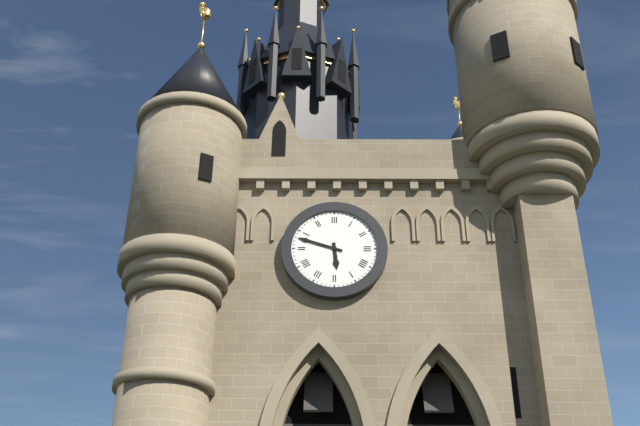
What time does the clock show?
5:48
